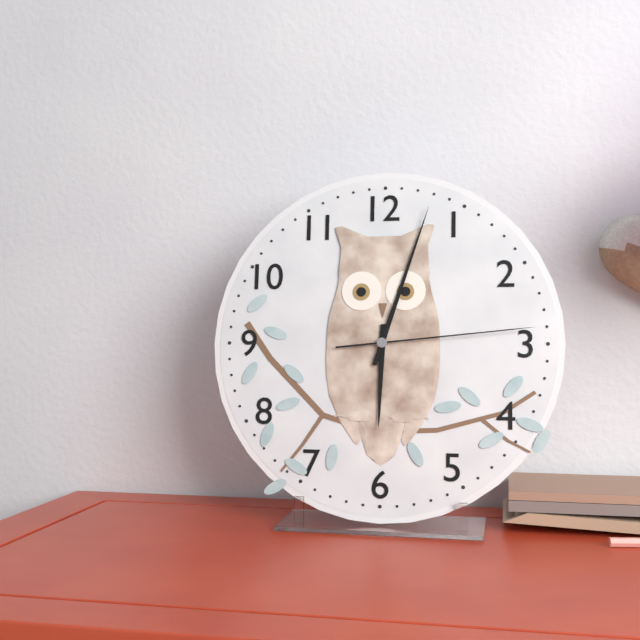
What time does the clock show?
6:03:14
